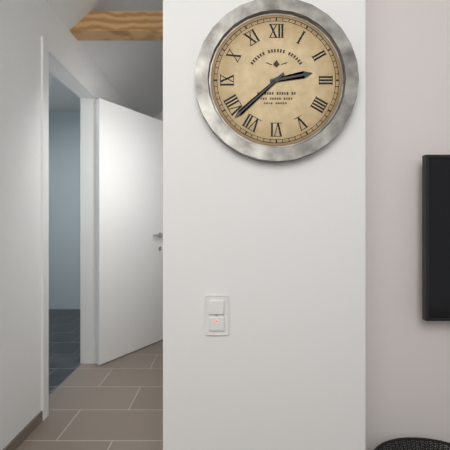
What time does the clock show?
2:38
